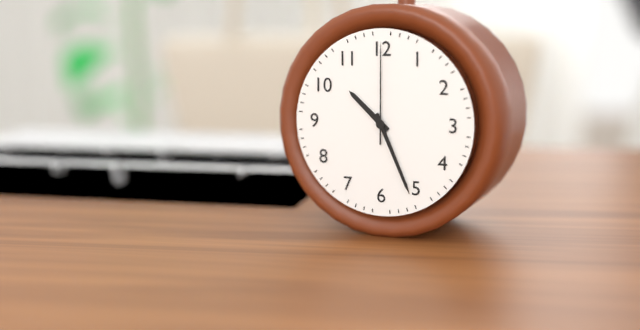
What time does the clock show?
10:26:00
